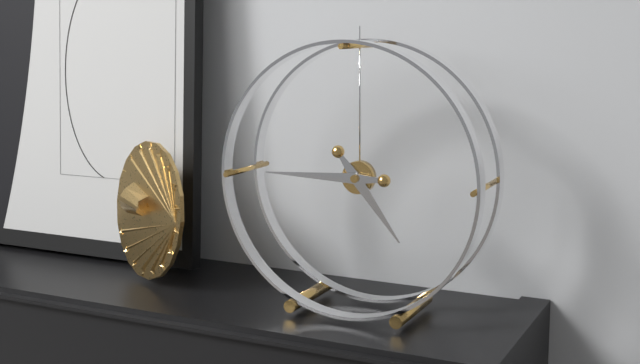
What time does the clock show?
4:45
